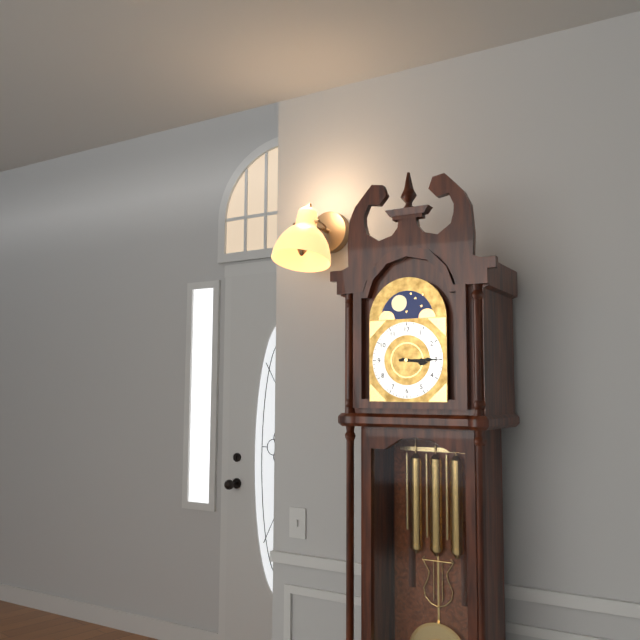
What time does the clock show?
3:15
